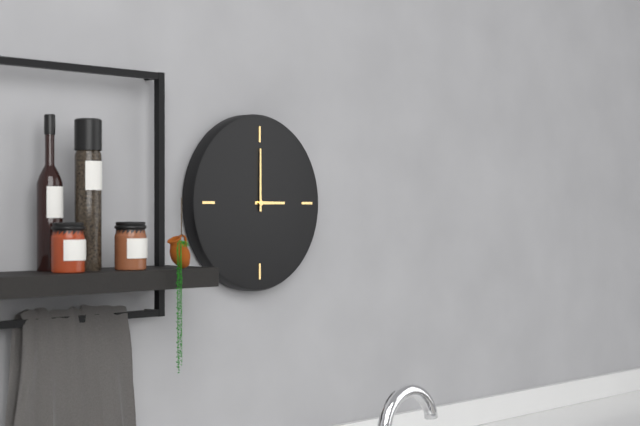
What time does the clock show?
3:00
